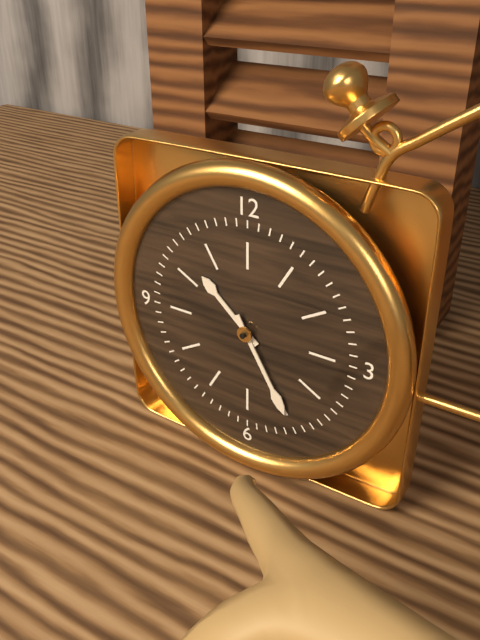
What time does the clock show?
10:25
